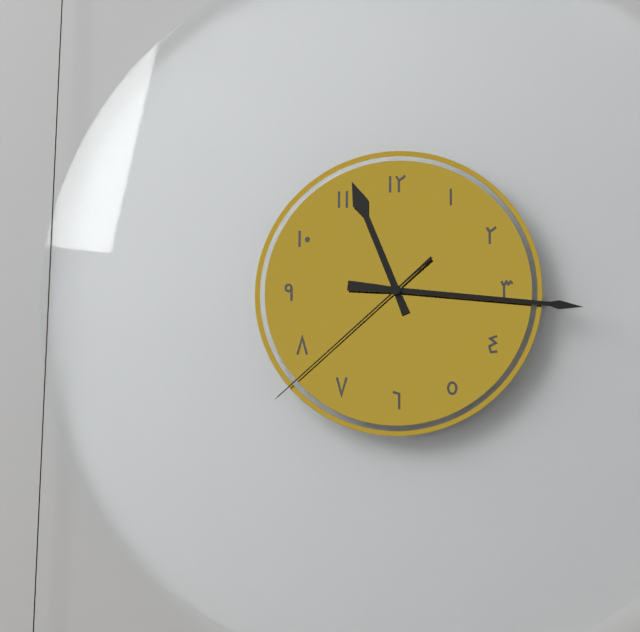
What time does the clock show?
11:16:38
